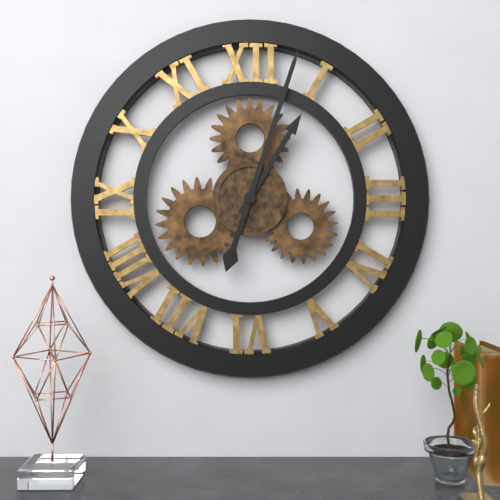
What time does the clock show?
1:03
